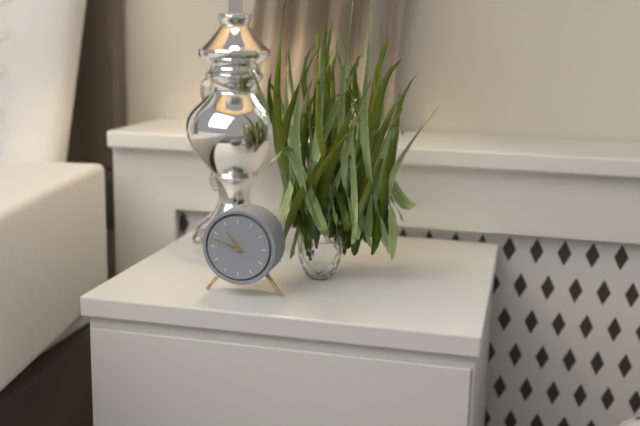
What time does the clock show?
10:48
